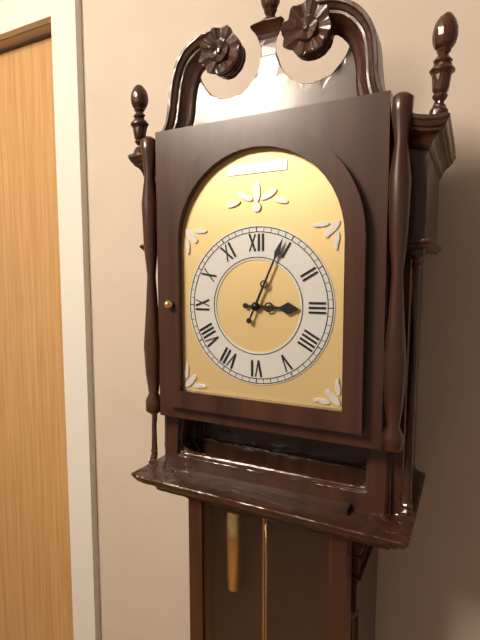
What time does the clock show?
3:04
